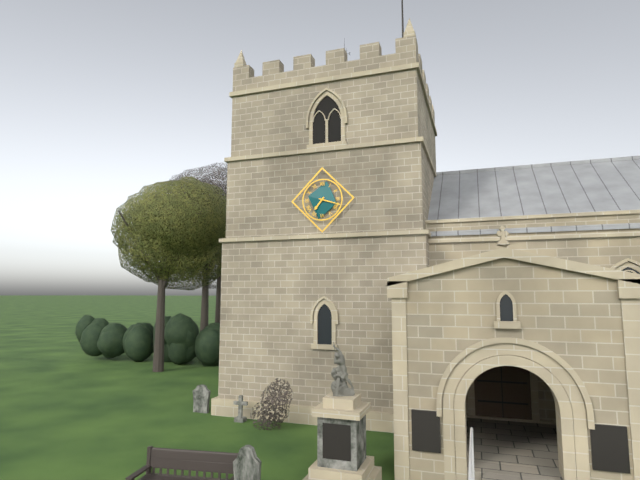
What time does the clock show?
7:18
